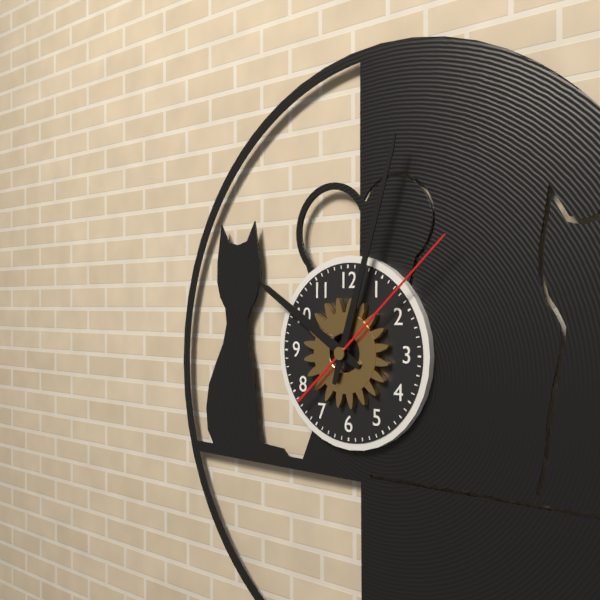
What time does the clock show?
10:03:08
